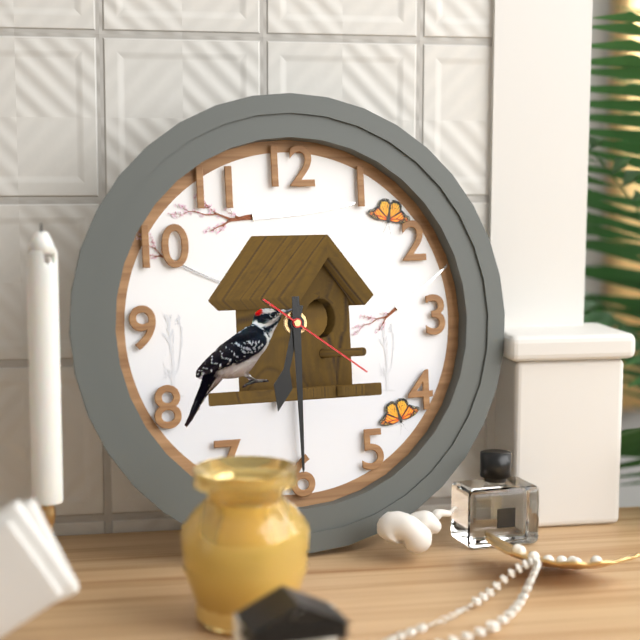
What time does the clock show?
6:30:21
